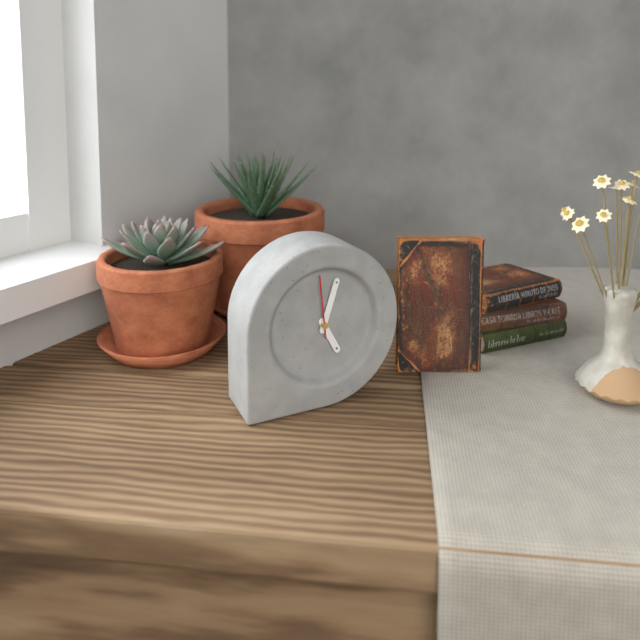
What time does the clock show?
5:03:59
